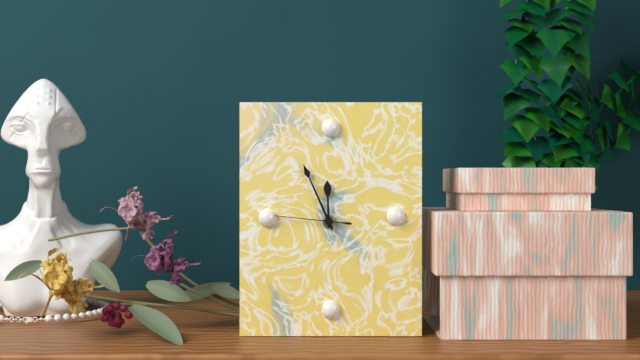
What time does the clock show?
11:56:46
